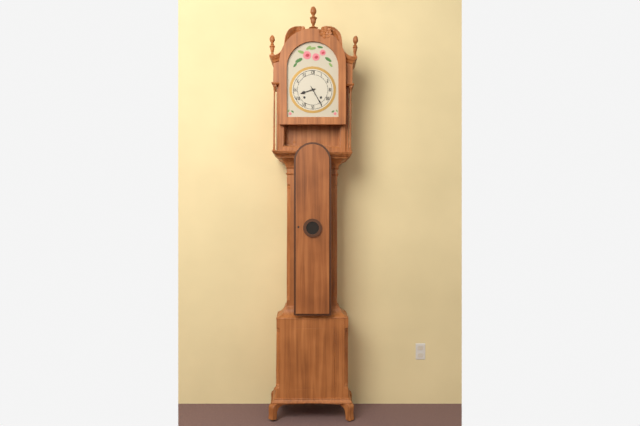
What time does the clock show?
8:25
